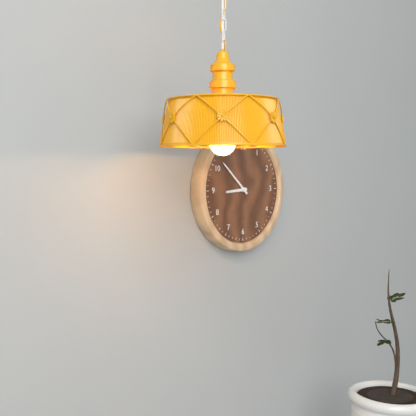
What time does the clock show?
8:52
